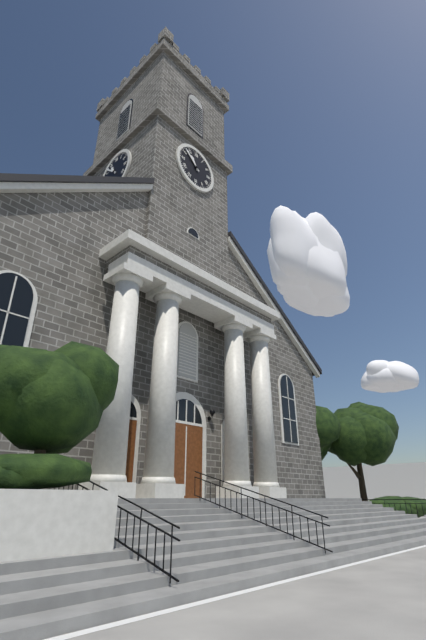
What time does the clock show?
10:52
